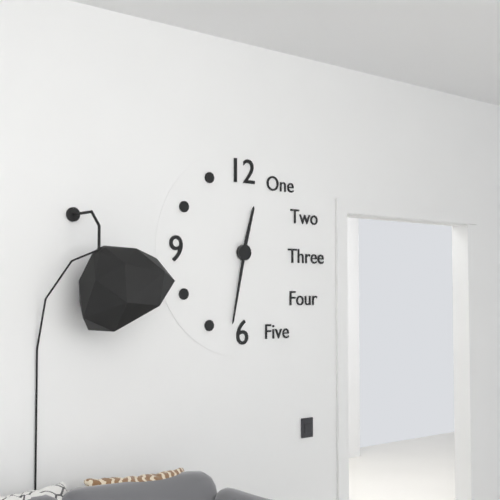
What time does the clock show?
12:32
